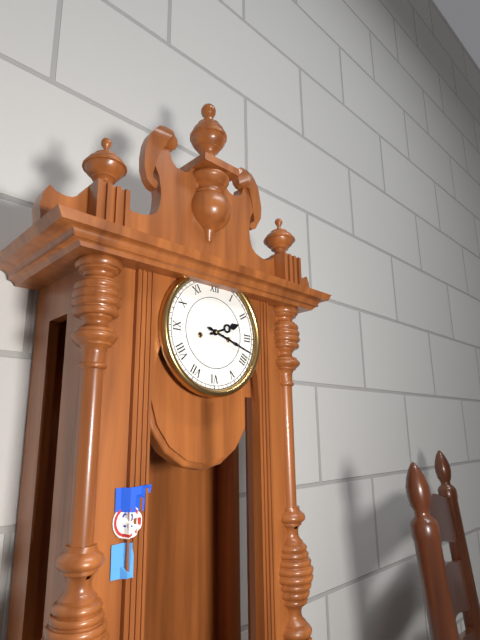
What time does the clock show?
2:18
